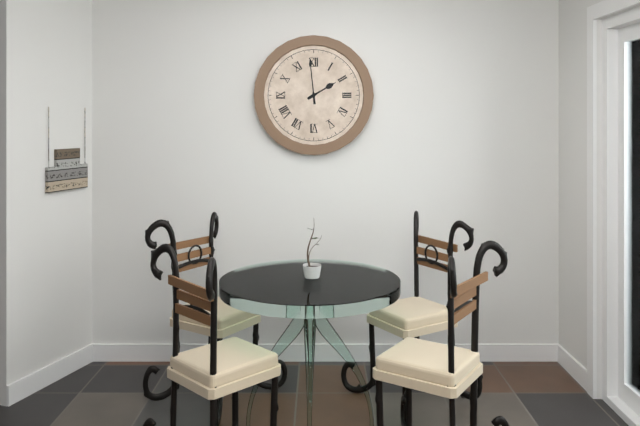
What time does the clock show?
1:59
